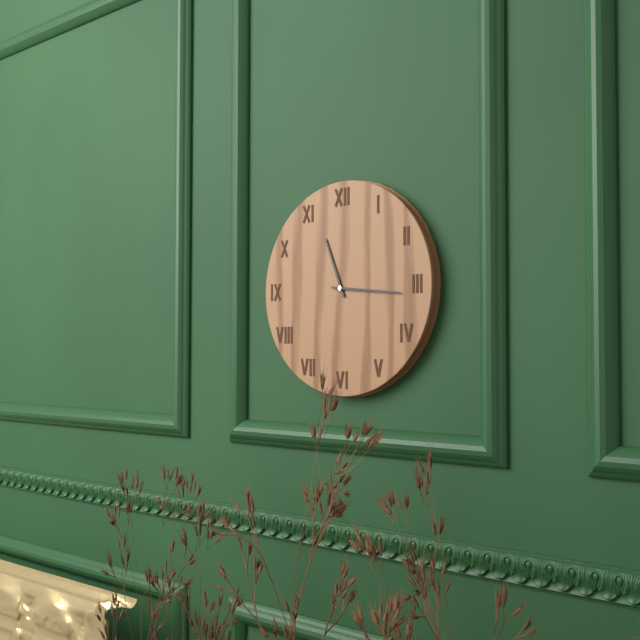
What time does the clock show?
11:16
